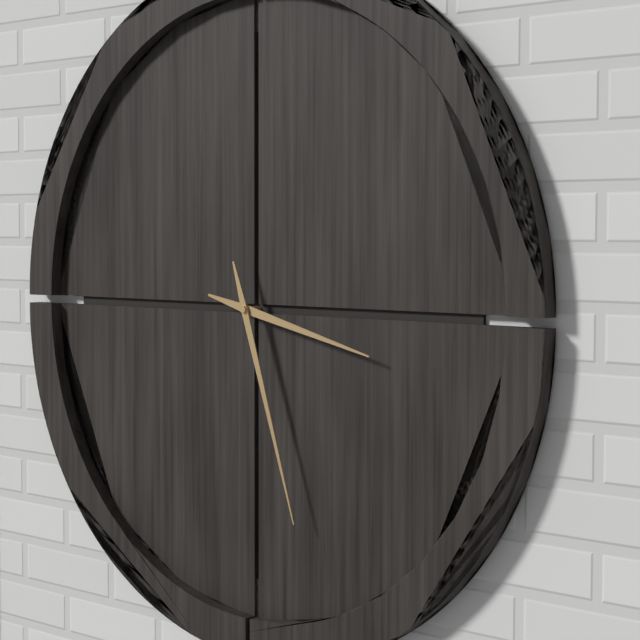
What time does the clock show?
3:27
